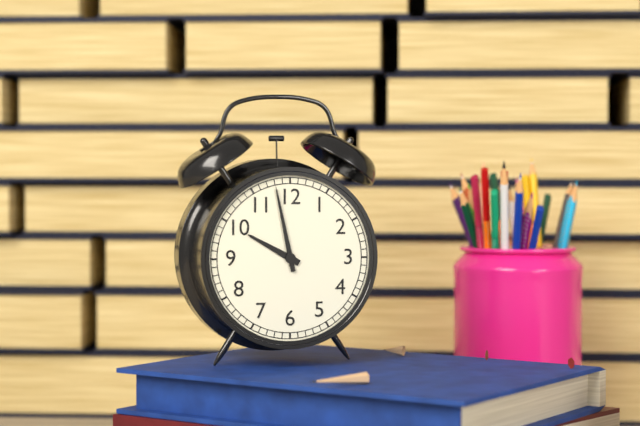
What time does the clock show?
9:58
